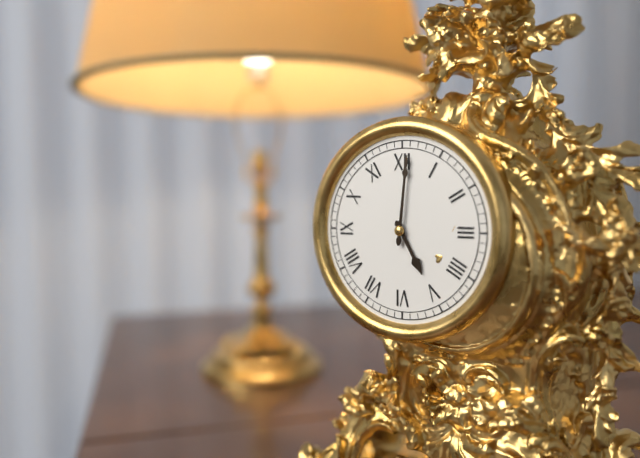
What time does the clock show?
5:01
